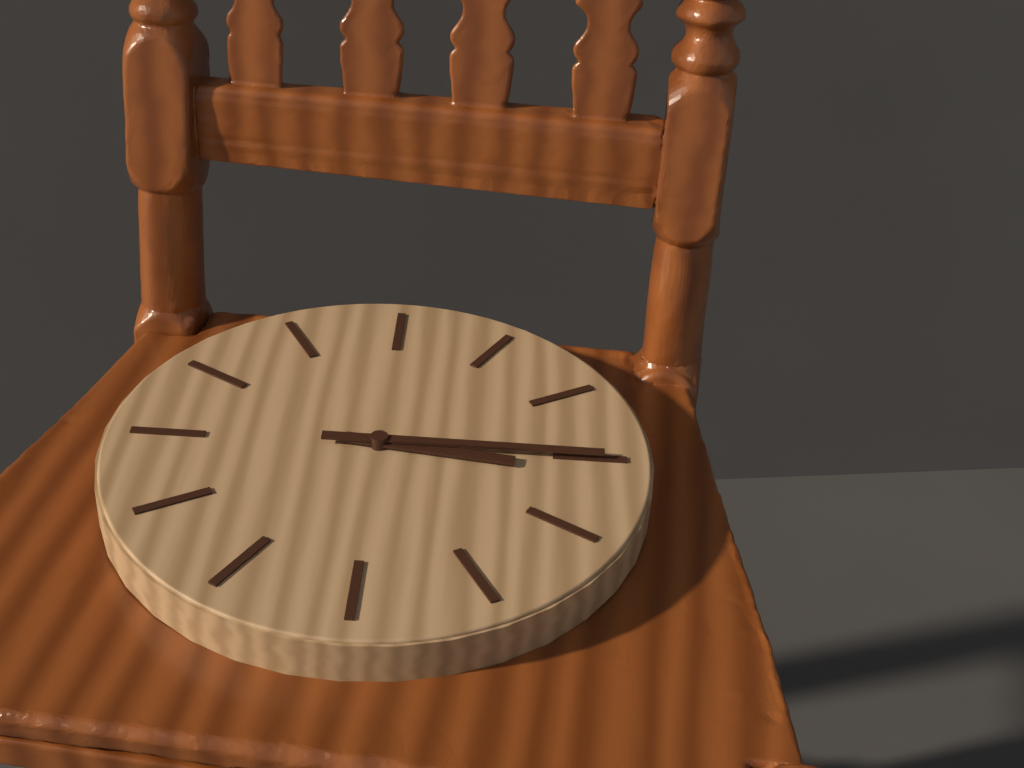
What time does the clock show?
3:15
